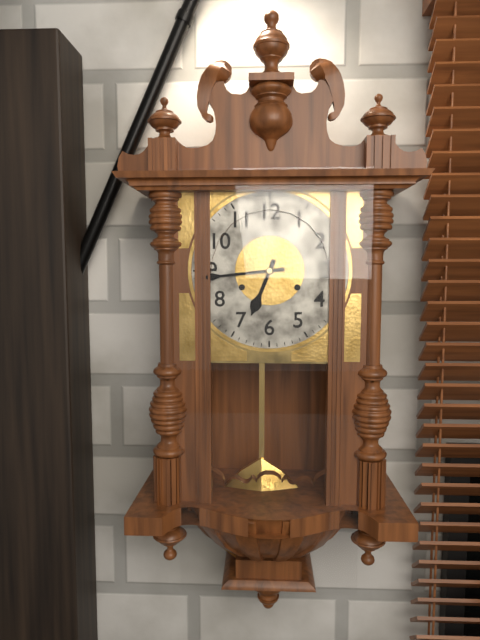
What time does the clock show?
6:44
